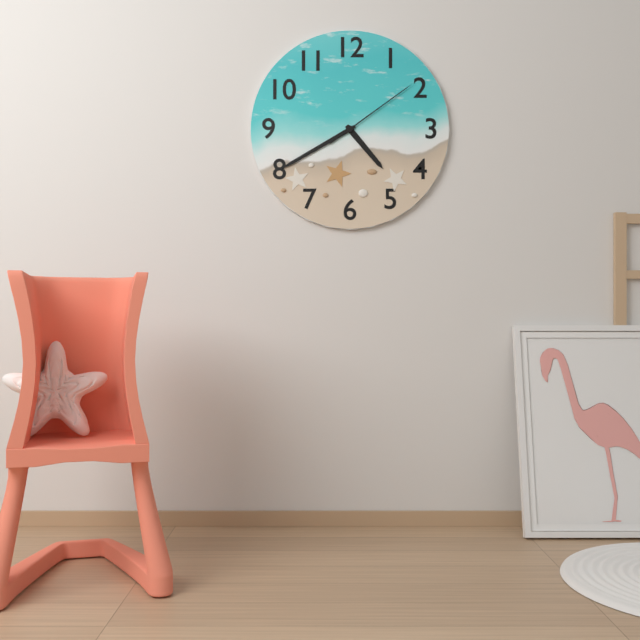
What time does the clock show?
4:40:09
